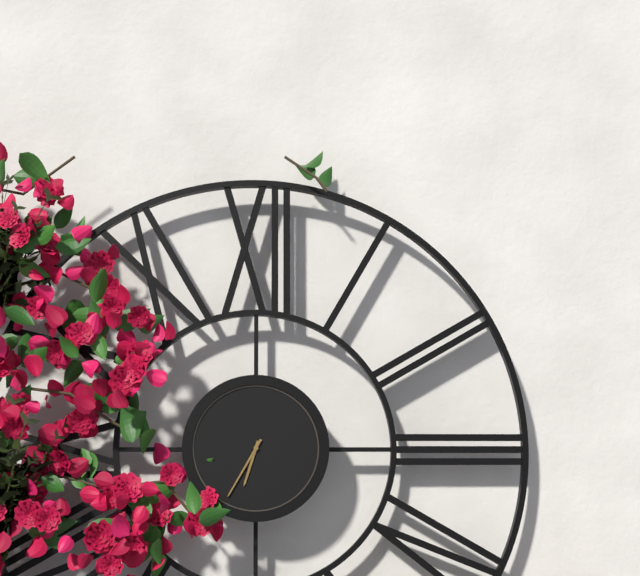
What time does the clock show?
6:35
